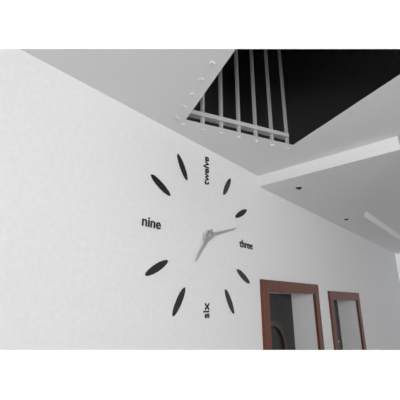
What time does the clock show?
7:12
